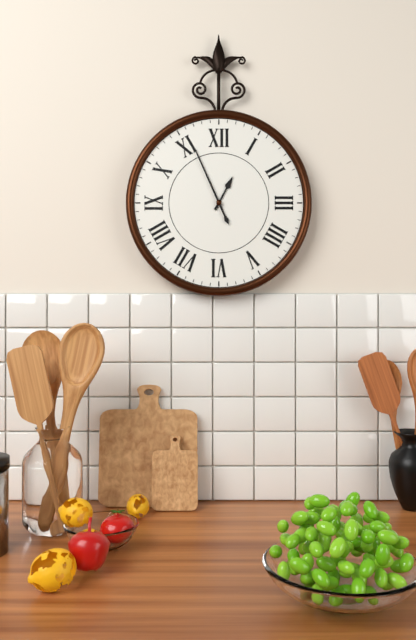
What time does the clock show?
12:56
